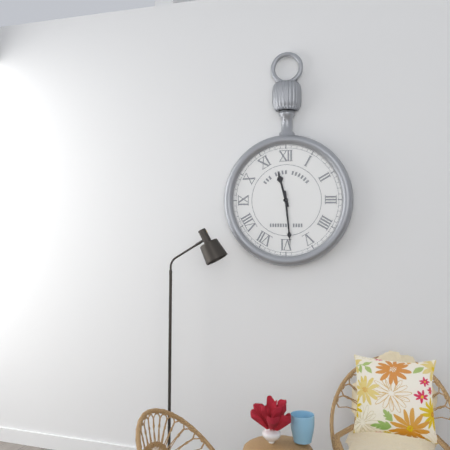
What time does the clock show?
11:29
